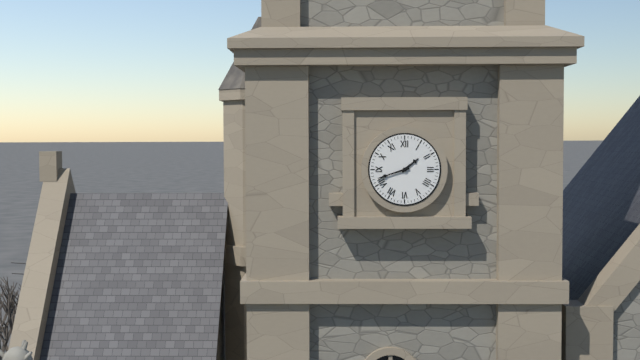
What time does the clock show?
1:42
